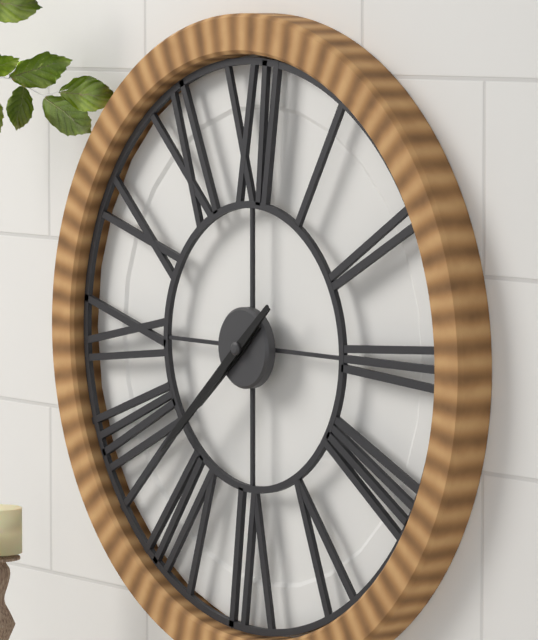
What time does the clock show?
7:38
